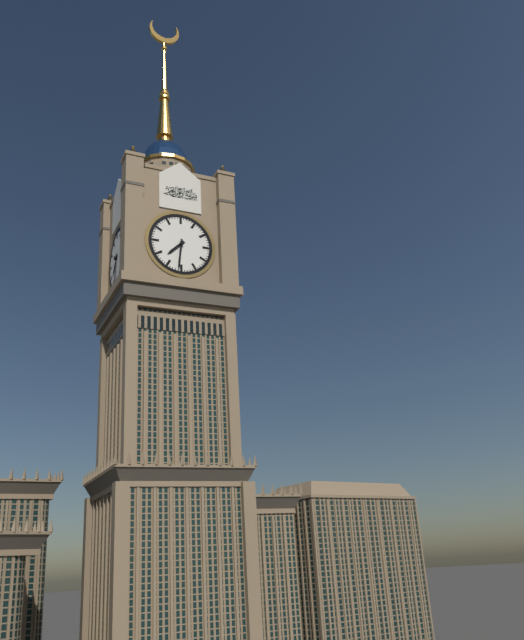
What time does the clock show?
7:31
